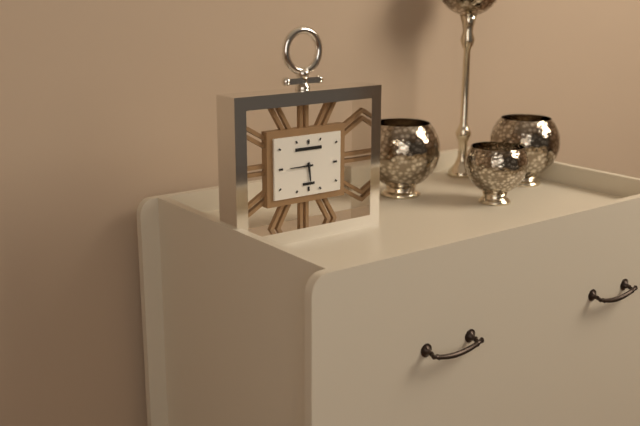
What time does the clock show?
5:45
